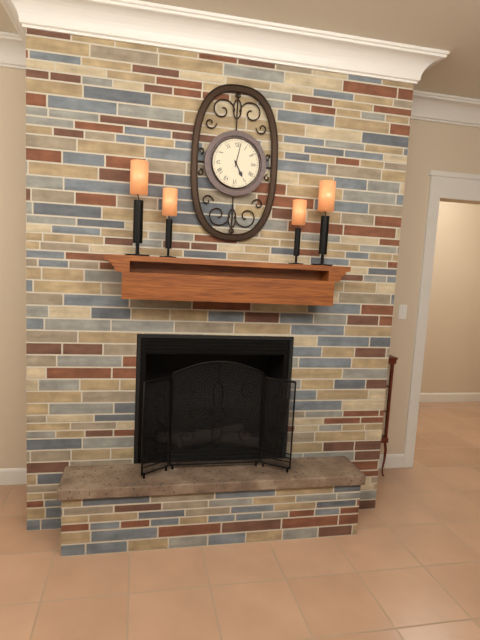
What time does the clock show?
5:02
